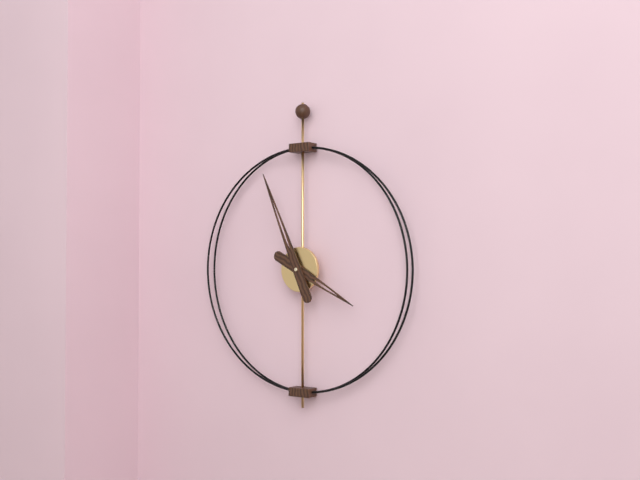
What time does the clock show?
3:56
